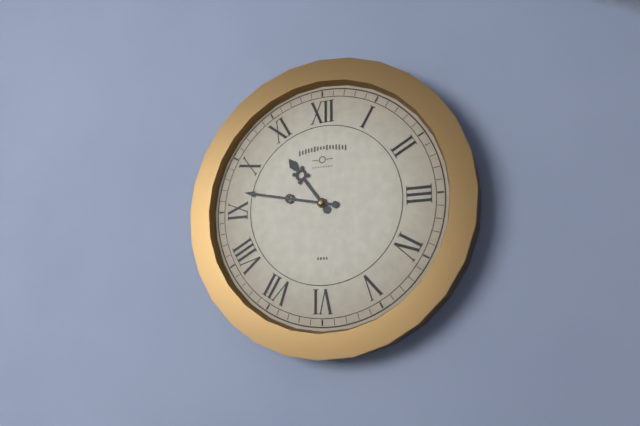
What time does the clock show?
10:47
